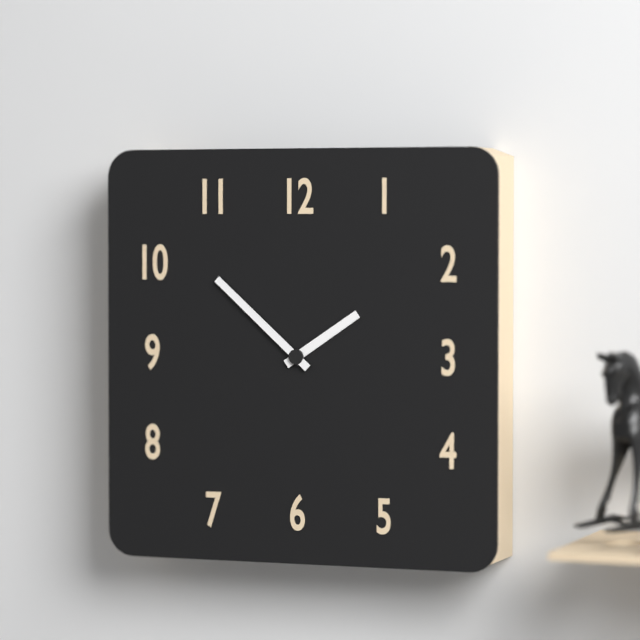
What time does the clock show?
1:52
